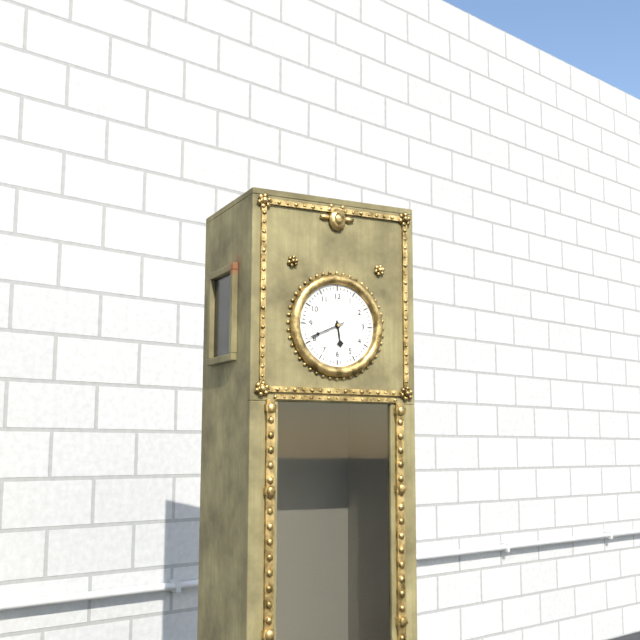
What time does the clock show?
5:41
